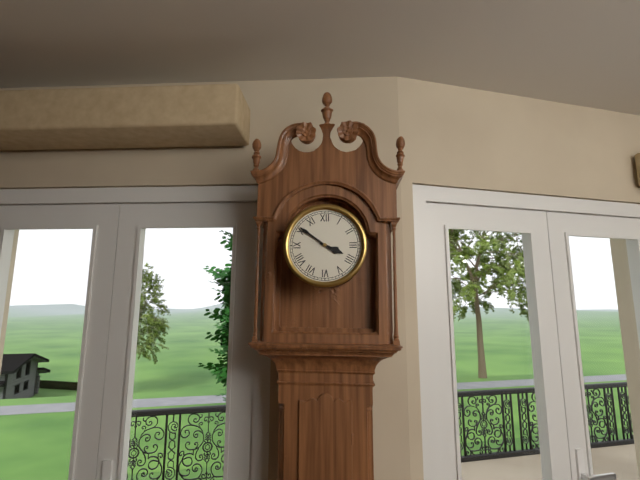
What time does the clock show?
3:51
